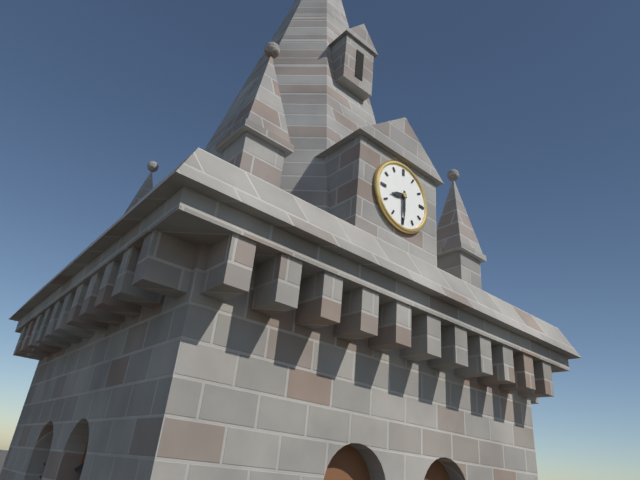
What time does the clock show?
8:30
